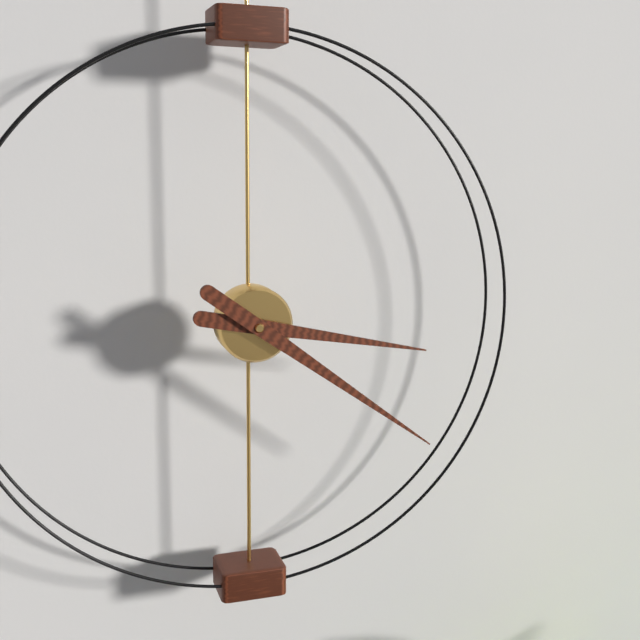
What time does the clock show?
3:21
